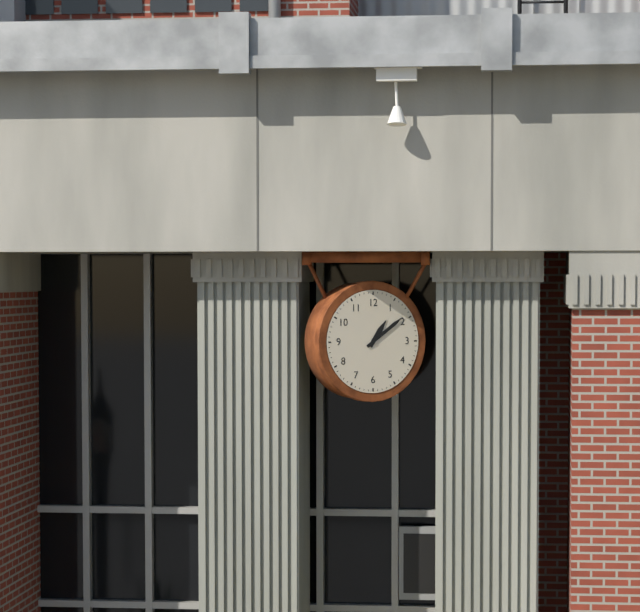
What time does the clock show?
1:09
